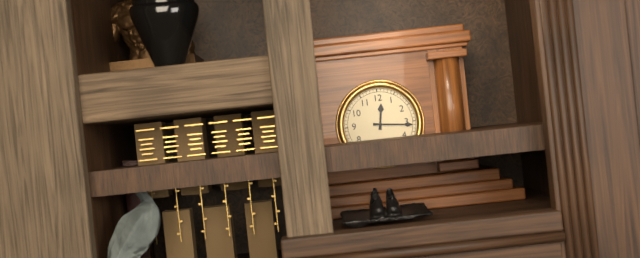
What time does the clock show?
12:16
